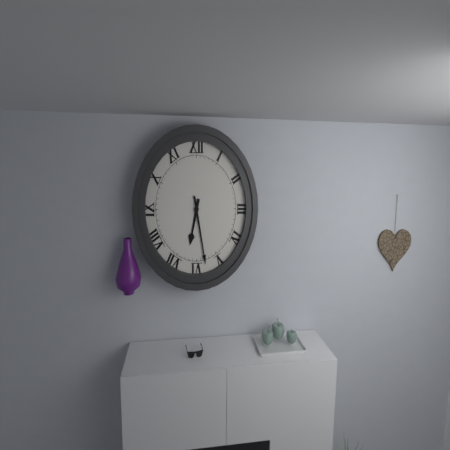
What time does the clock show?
6:28
